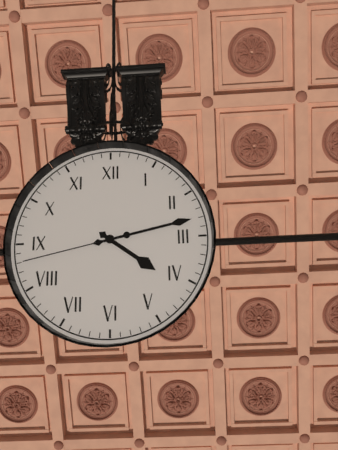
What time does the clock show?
4:13:43
